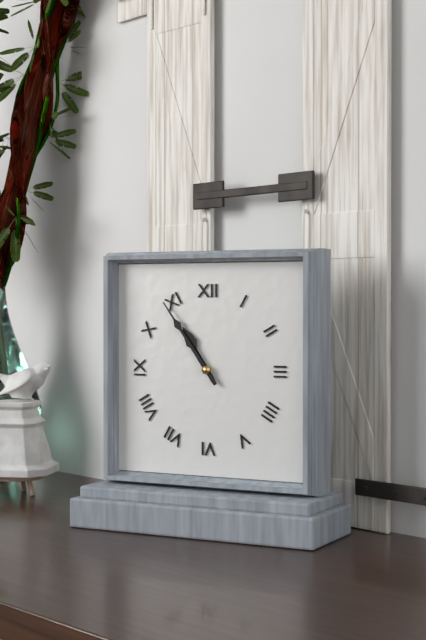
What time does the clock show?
10:54
